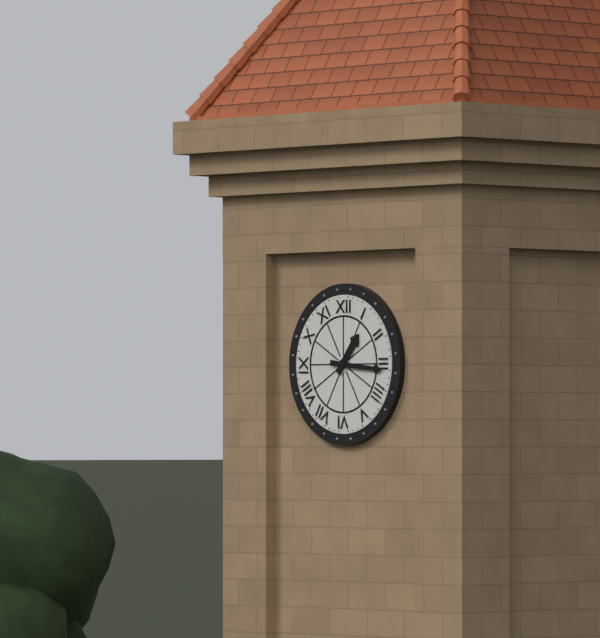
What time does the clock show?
1:16
